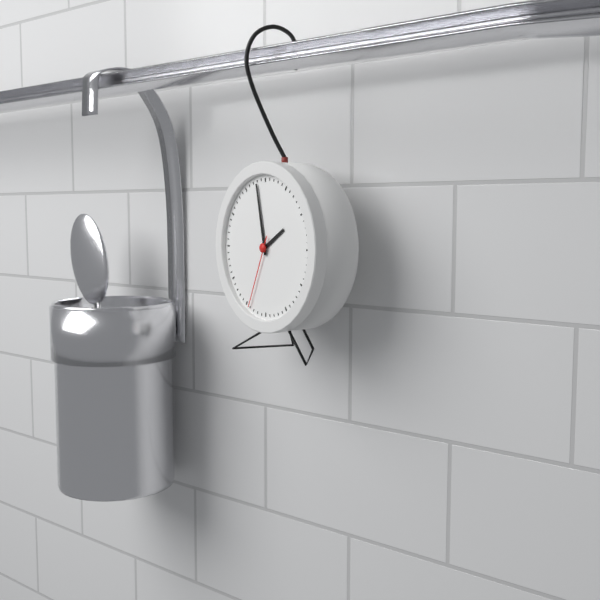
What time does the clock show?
1:58:34
